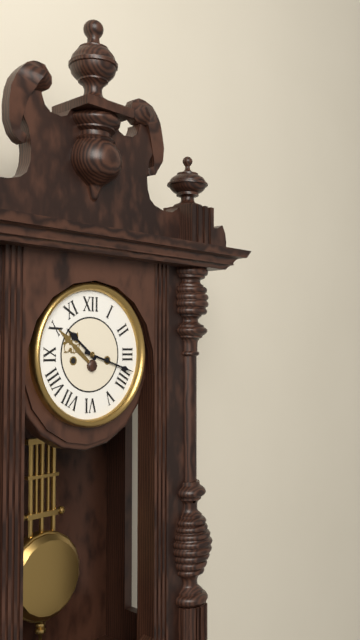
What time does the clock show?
10:18
